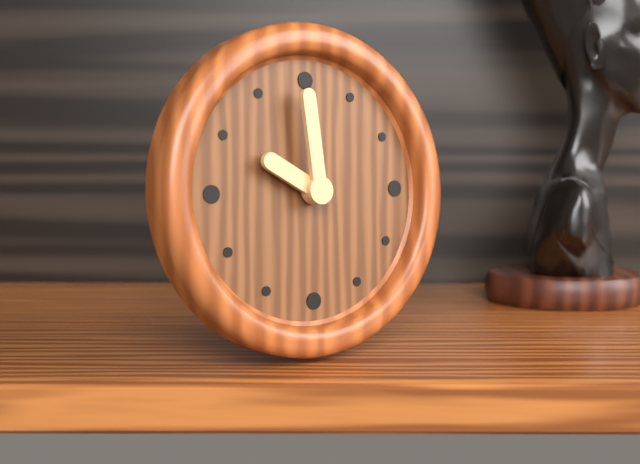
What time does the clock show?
9:59
